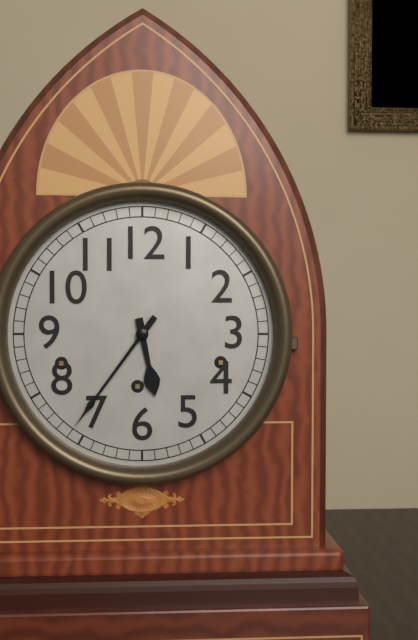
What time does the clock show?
5:36
